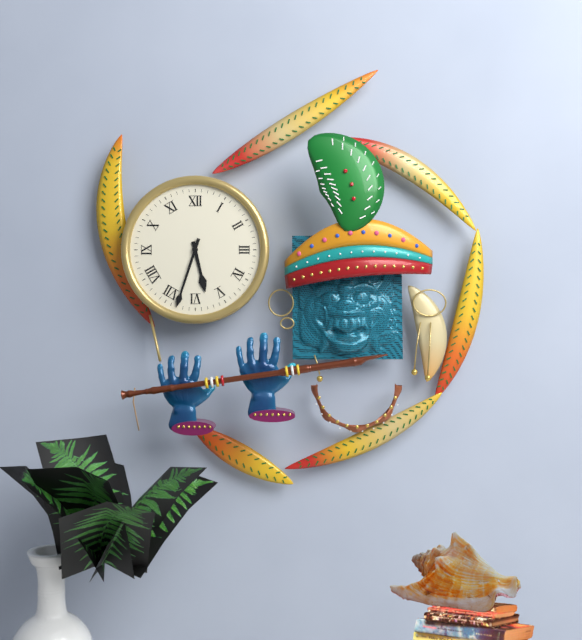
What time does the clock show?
5:33
